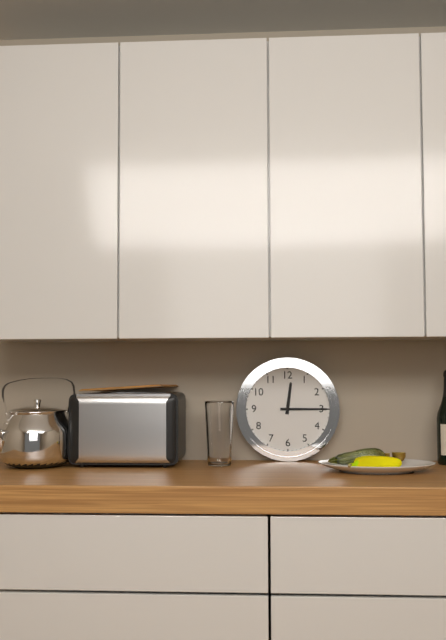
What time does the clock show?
12:15
